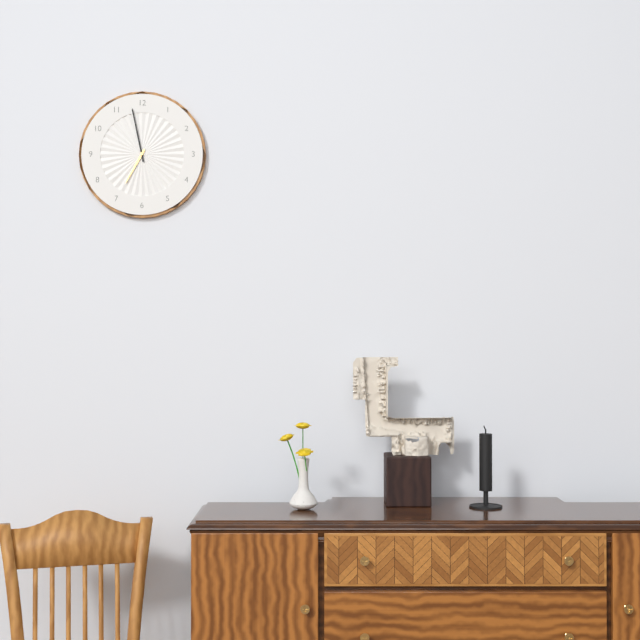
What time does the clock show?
6:58
